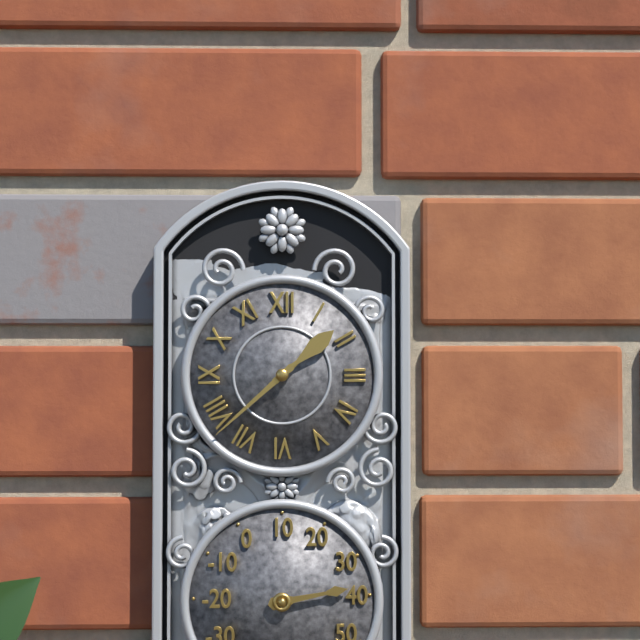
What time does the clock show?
1:38
